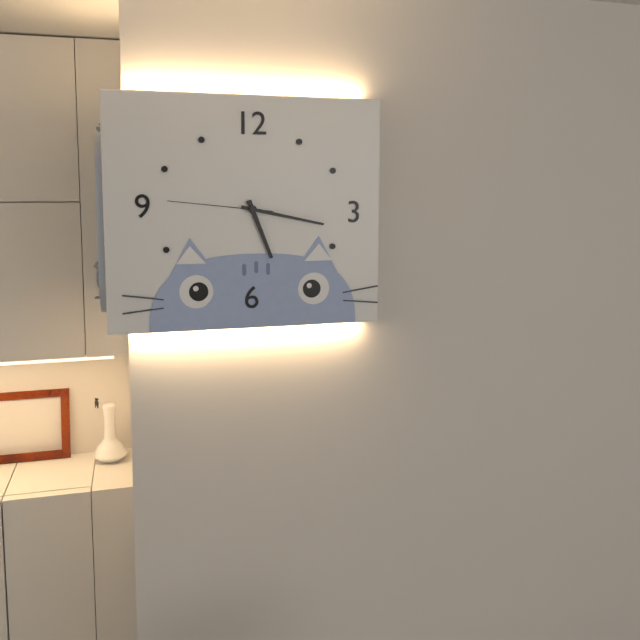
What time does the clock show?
5:17:46
